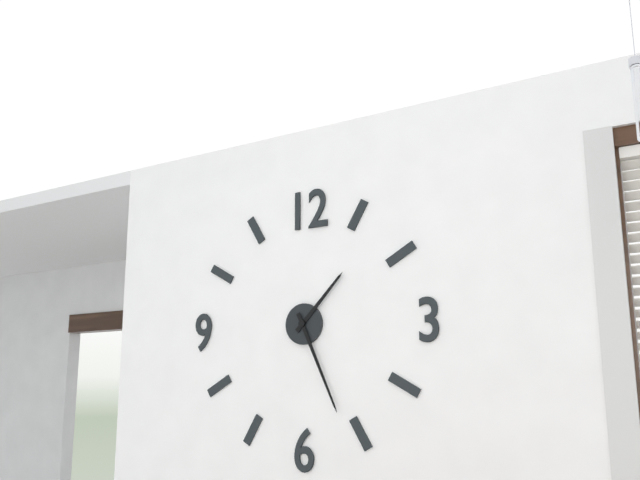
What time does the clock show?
1:26
